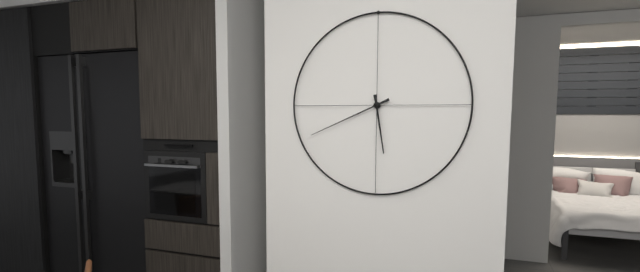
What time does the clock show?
5:41
